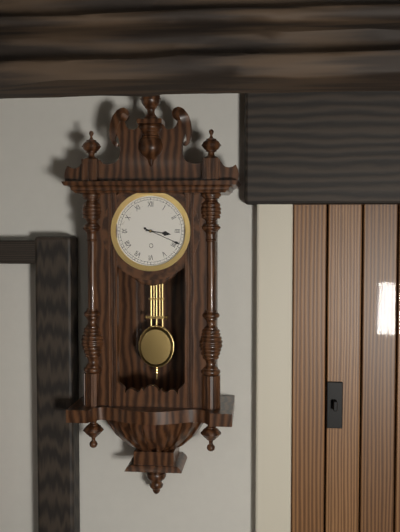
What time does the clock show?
3:19
